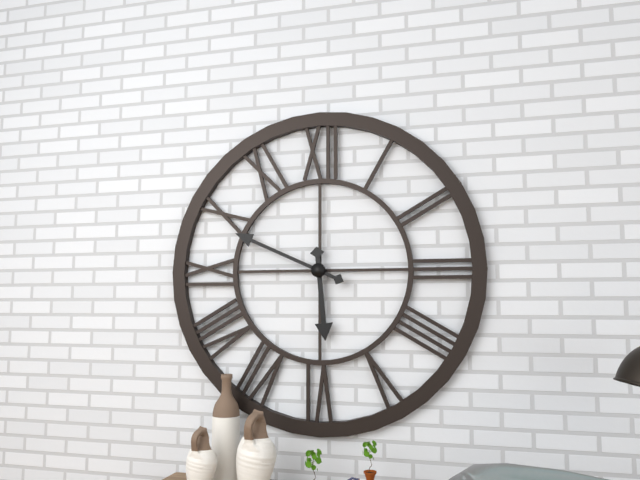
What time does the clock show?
5:49
